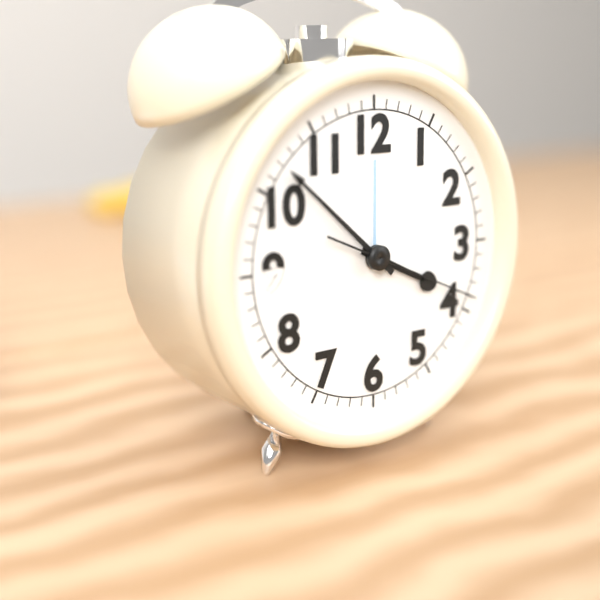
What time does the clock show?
3:52:19
